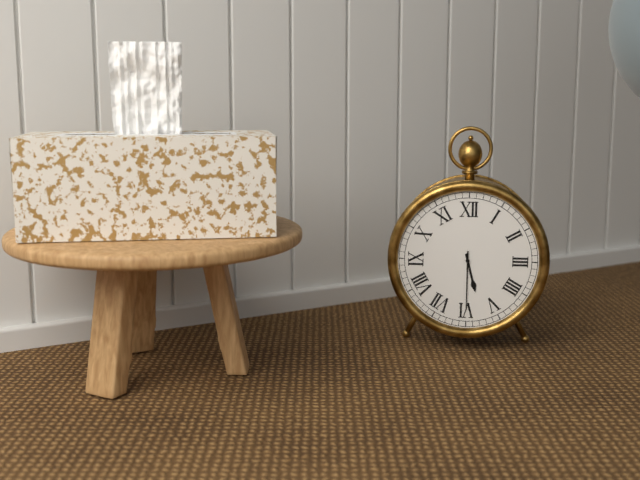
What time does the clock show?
5:30
